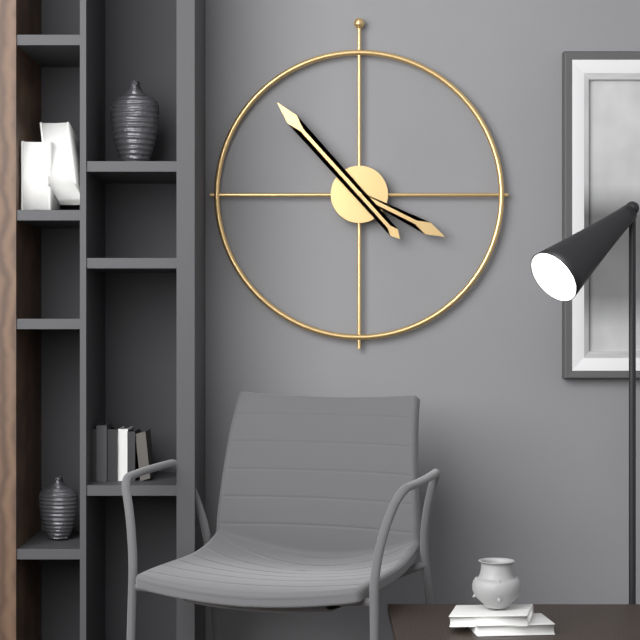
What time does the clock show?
3:53
